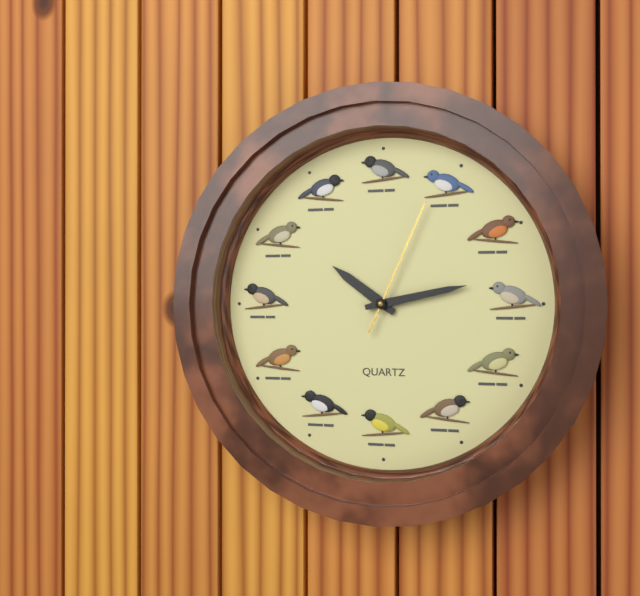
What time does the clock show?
10:13:04
